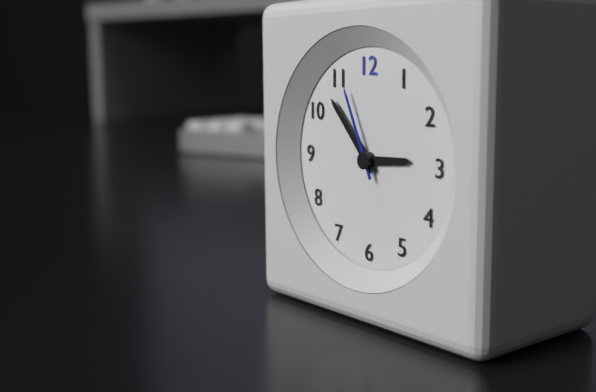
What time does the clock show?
2:53:56
